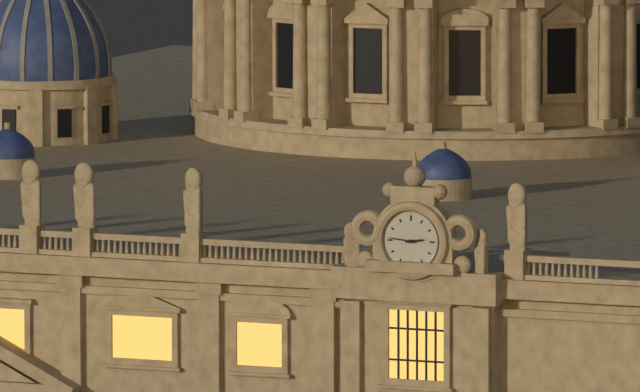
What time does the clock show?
2:46
